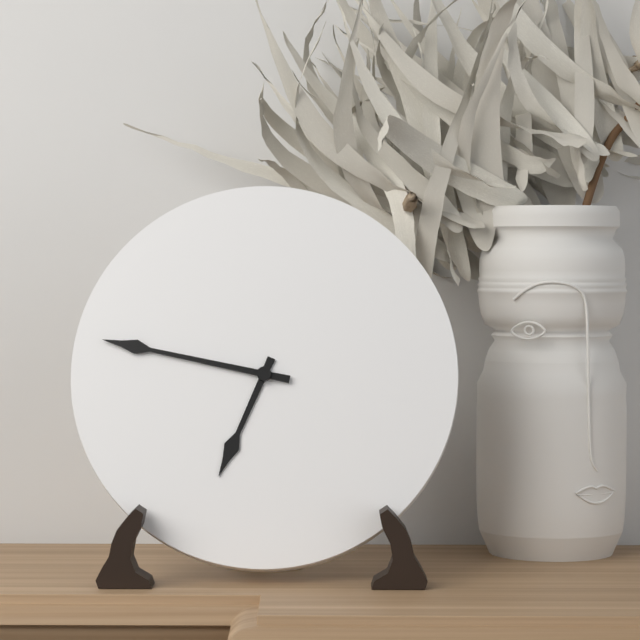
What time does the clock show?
6:47
